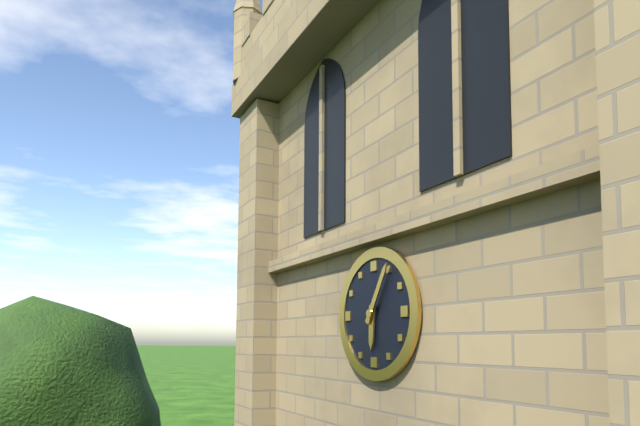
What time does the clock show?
6:05
